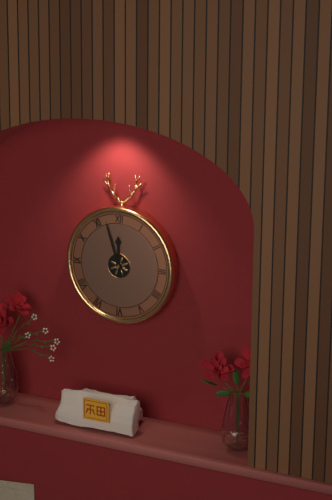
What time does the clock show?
11:57
